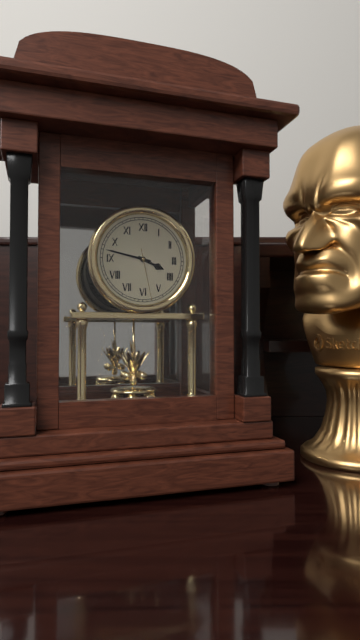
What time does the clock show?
3:47:28
